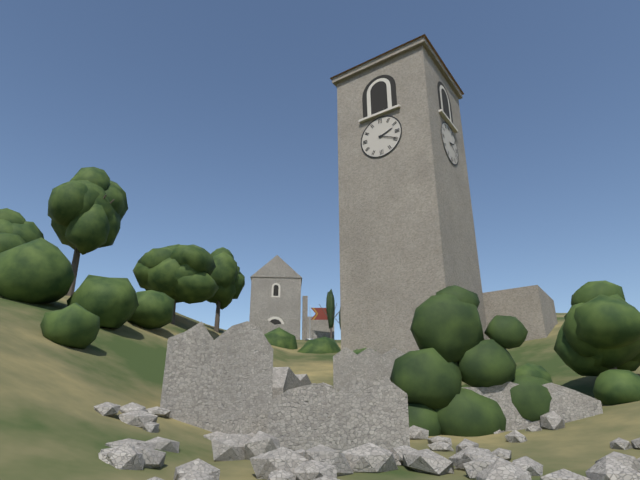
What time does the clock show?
2:19
